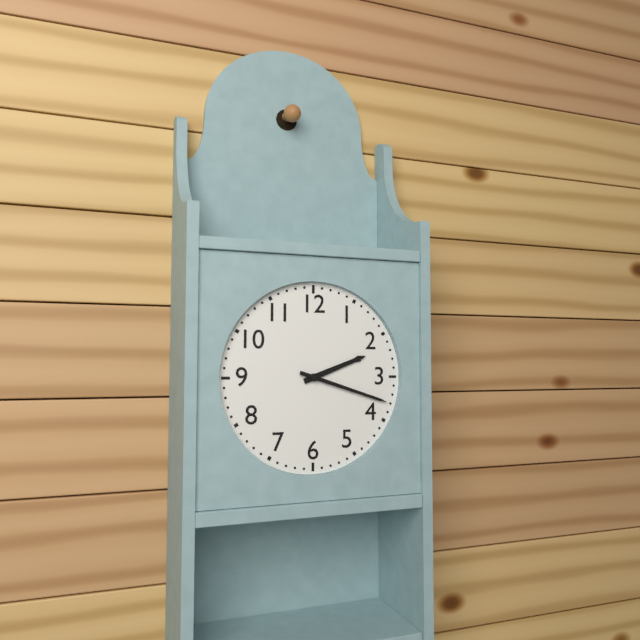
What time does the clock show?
2:18
